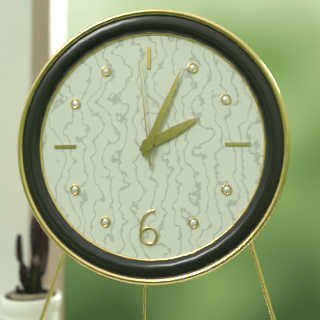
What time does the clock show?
2:04:59
